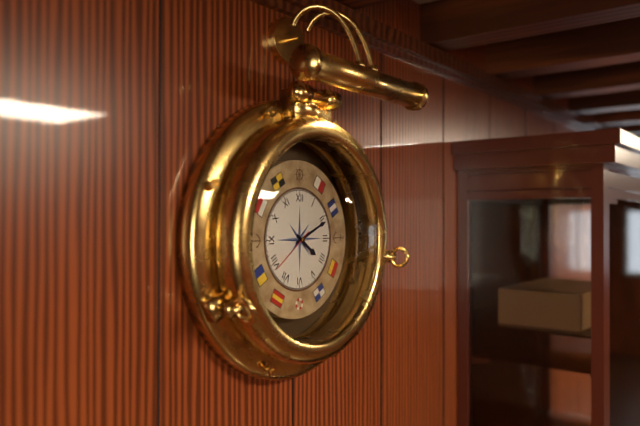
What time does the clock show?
4:11
